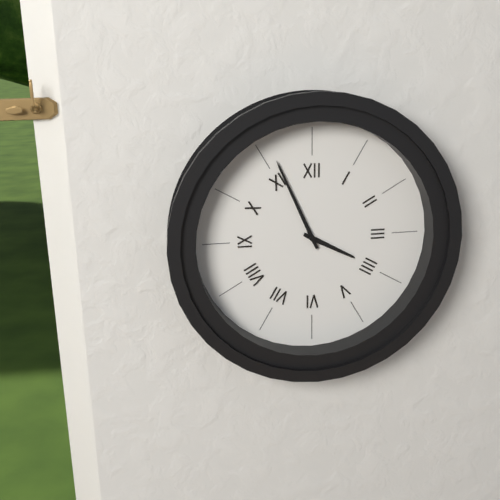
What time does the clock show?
3:56
